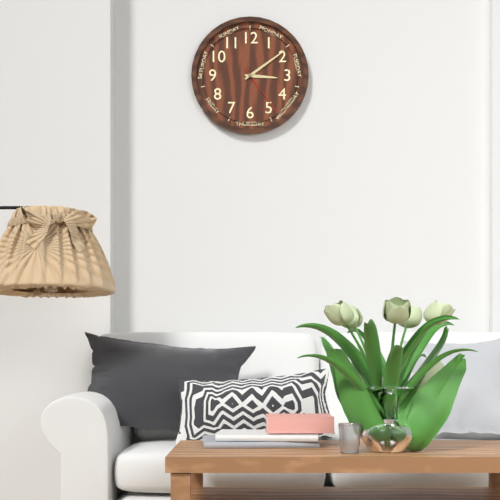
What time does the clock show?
3:09:24
